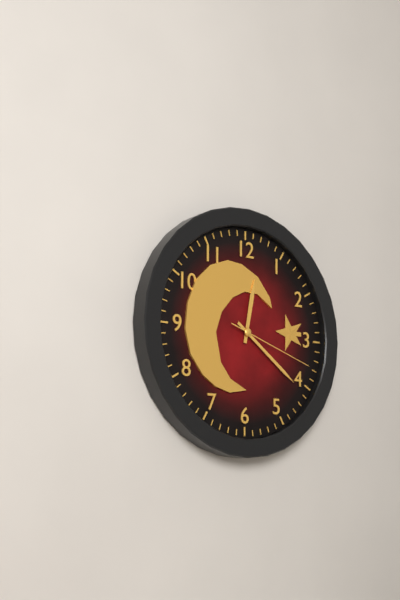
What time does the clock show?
12:21:18
